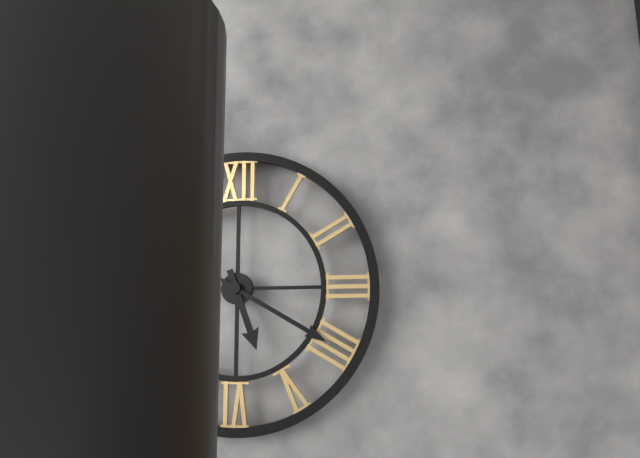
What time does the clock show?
5:20
